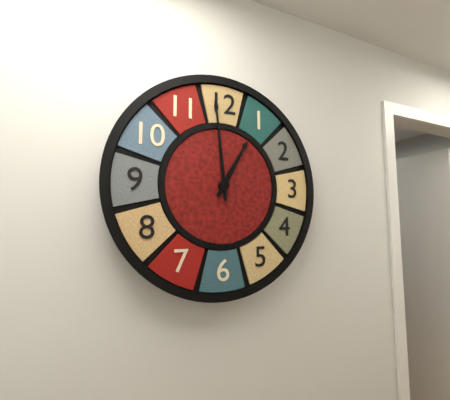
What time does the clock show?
12:59
